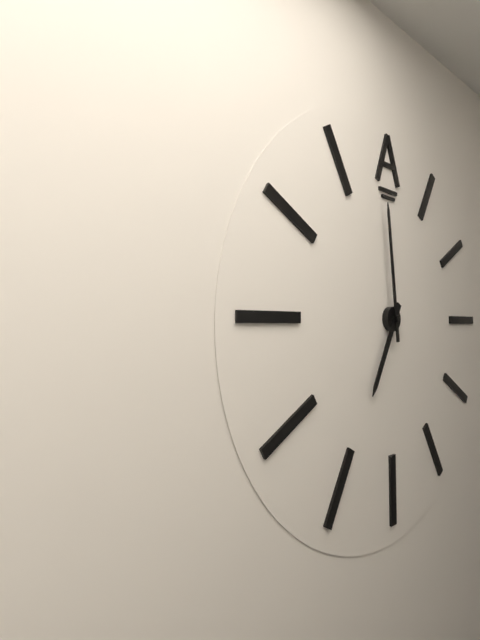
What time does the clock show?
6:59
